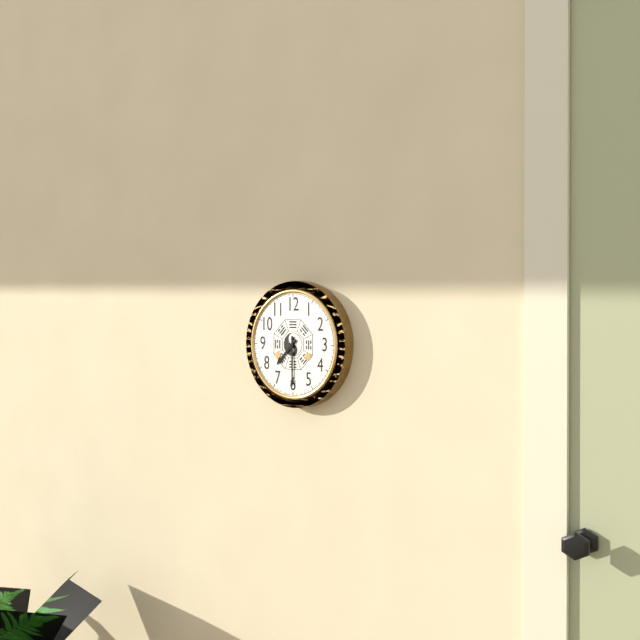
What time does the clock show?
7:30
